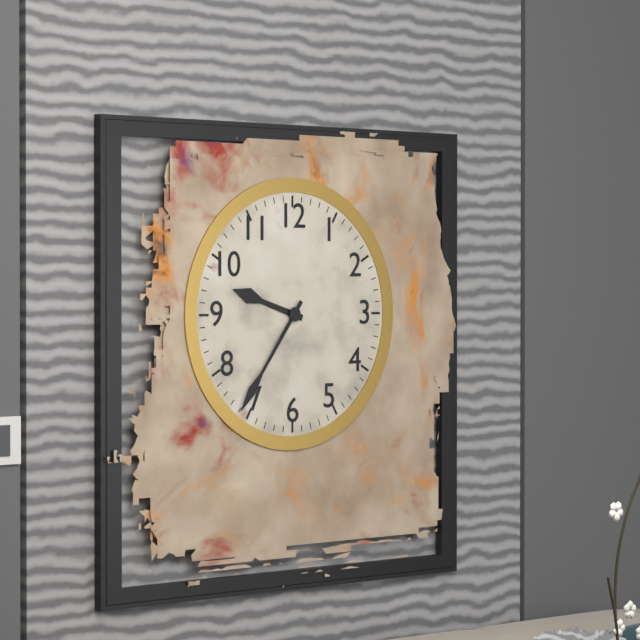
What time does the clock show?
9:36
